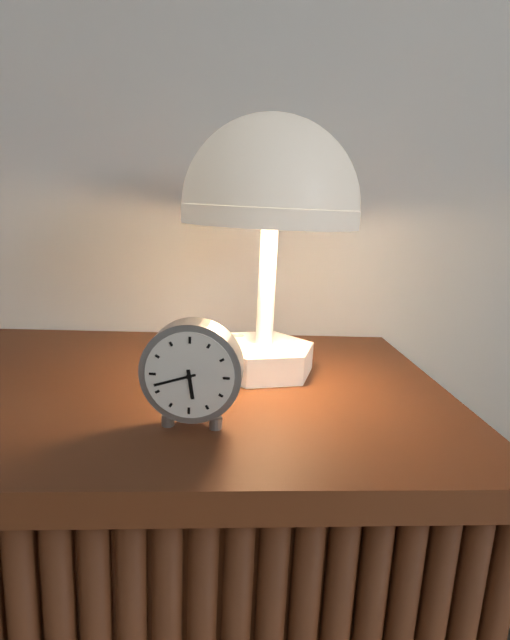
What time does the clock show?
5:42
